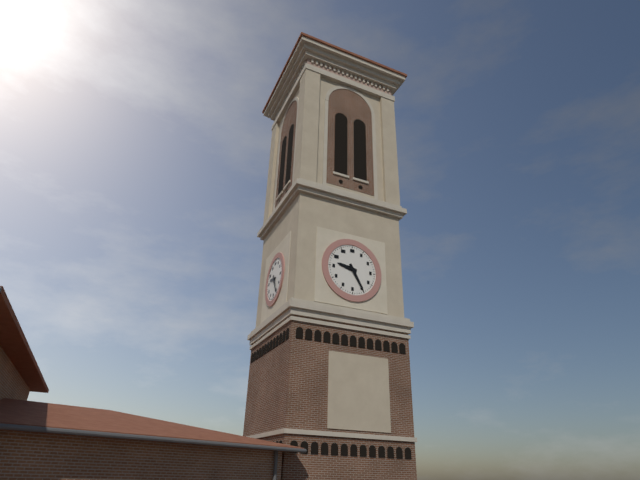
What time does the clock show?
9:25
